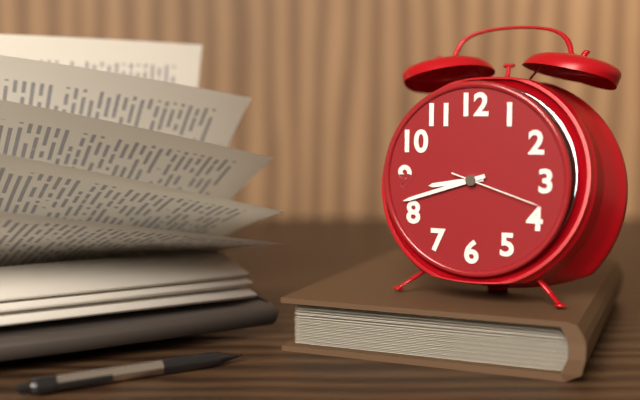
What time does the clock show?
8:42:18
